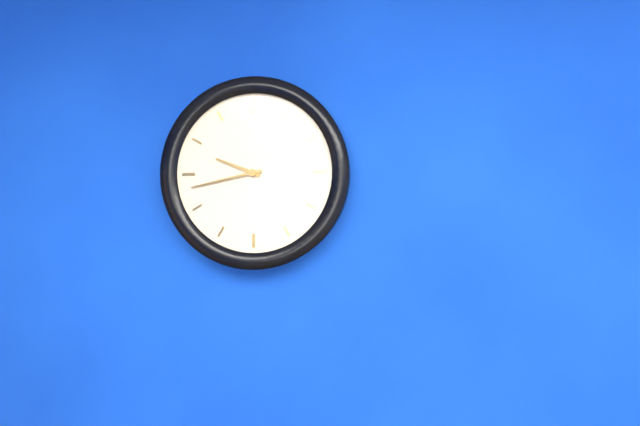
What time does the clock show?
9:43
